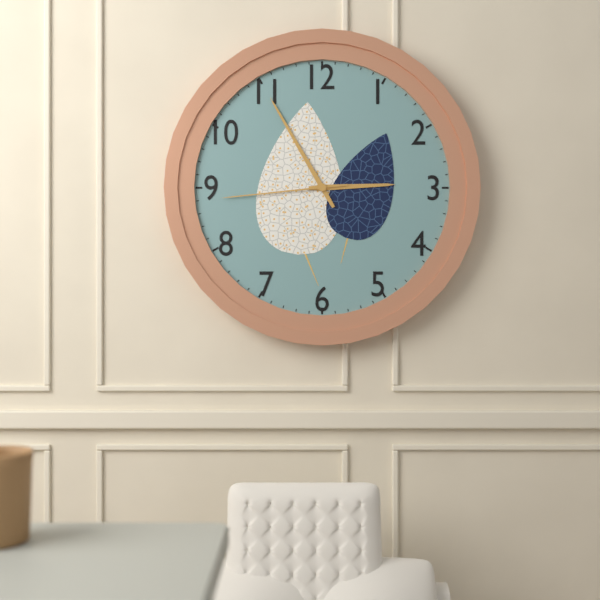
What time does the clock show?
2:55:44
